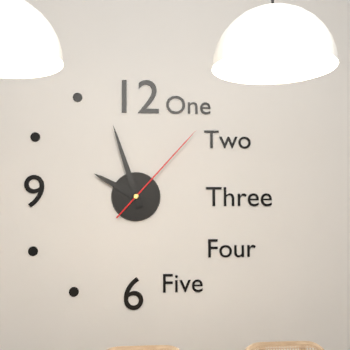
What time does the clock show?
9:57:07
